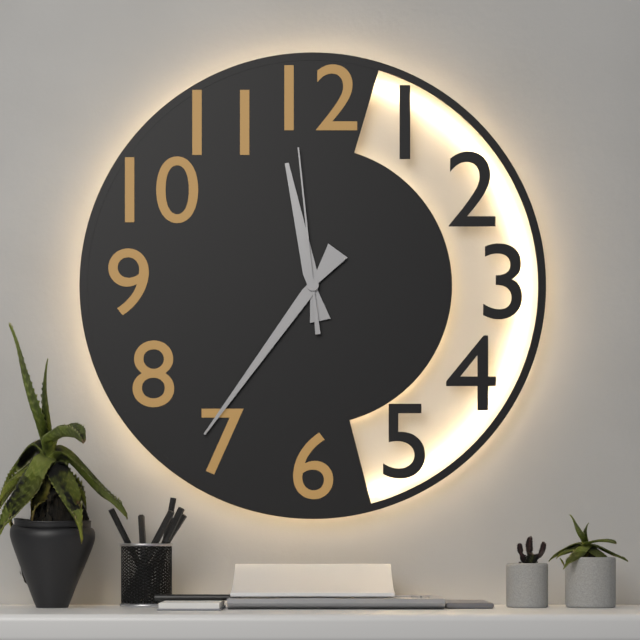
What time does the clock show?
11:36:59
